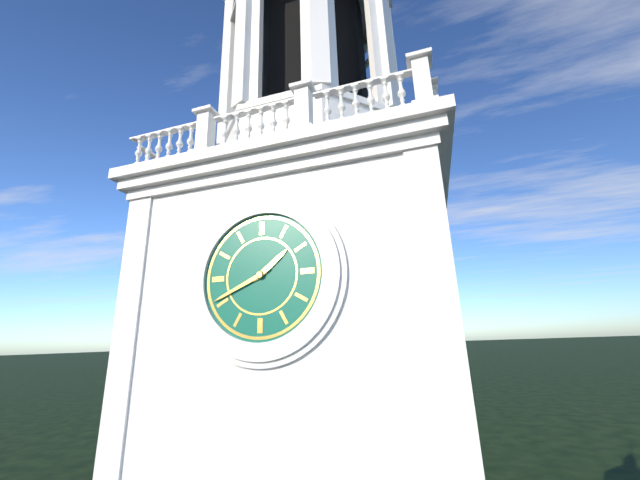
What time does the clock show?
1:41
